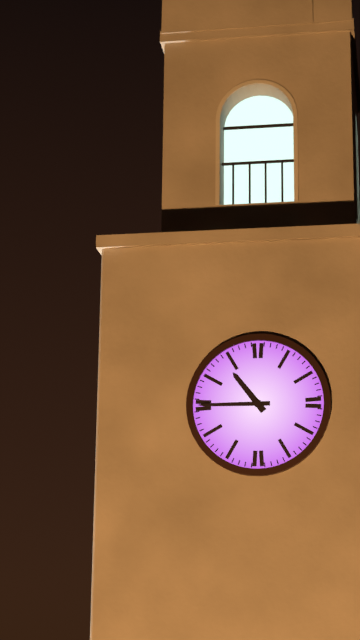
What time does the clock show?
10:45
